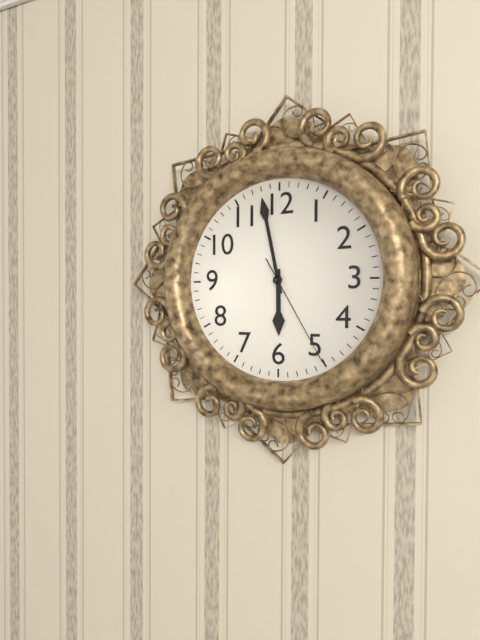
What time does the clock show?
5:58:25
